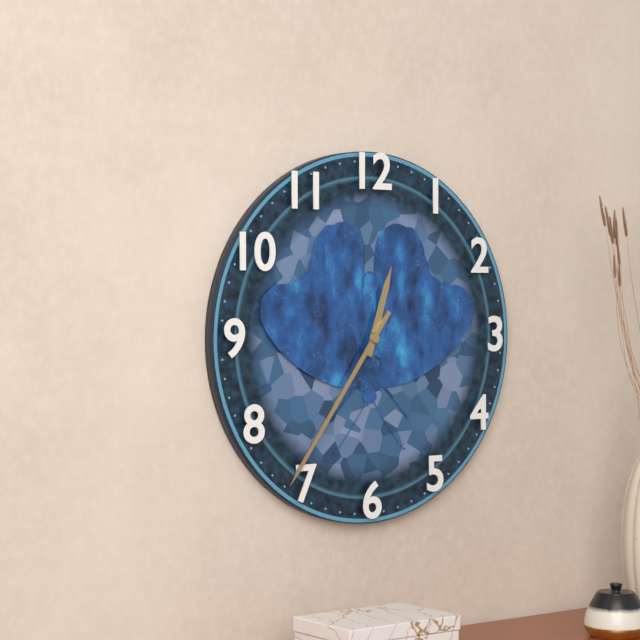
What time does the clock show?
12:36
